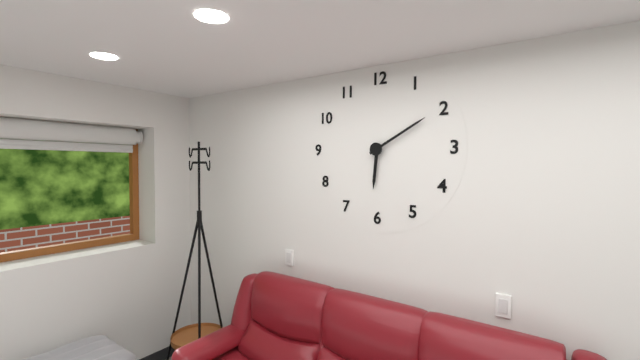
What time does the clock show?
6:10
